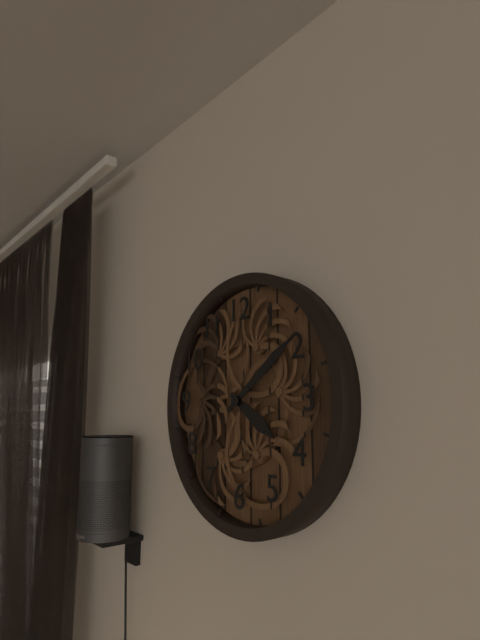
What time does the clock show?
4:09
